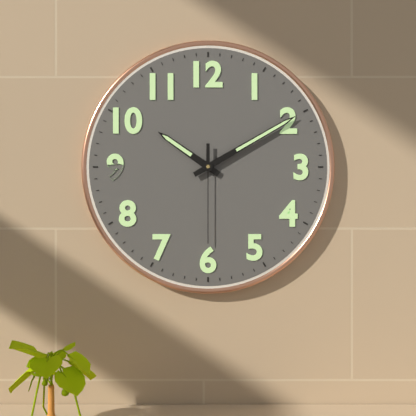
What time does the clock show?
10:10:30
